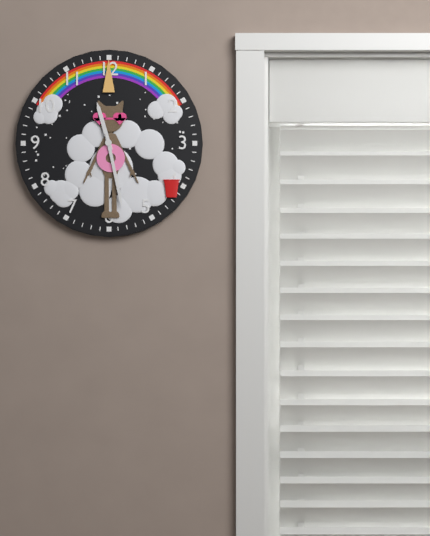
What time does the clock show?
11:28
